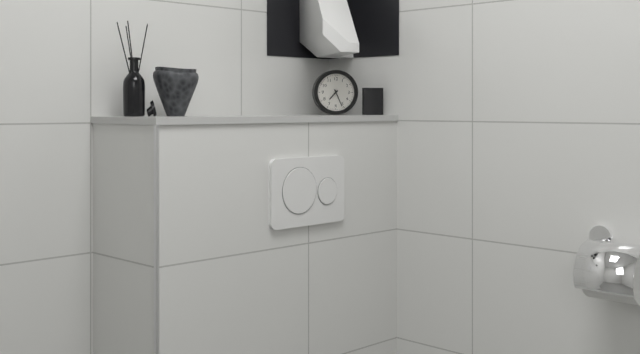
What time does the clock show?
7:26
